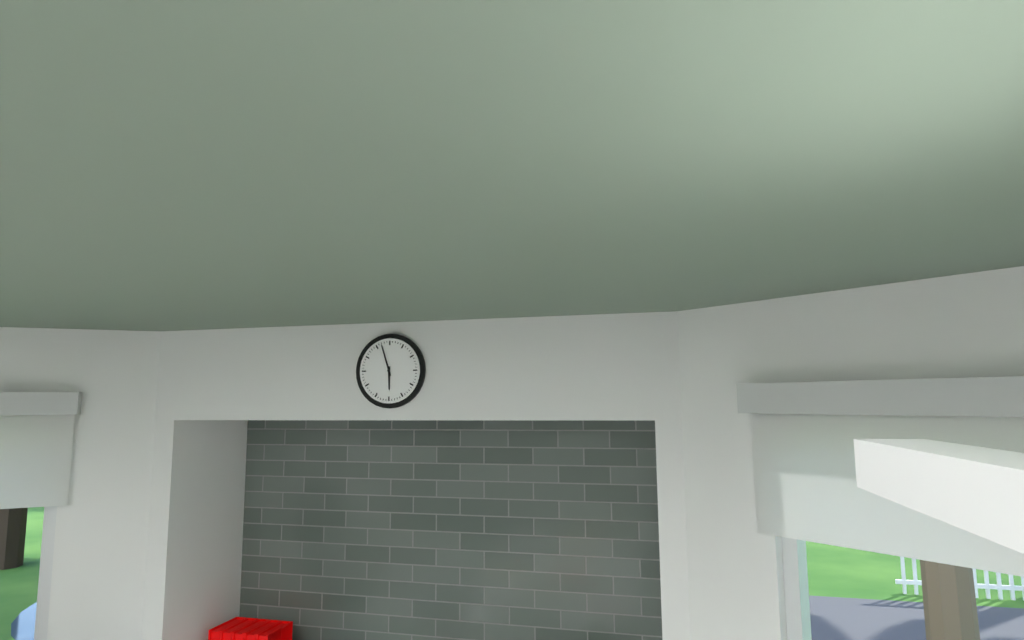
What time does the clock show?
5:57
